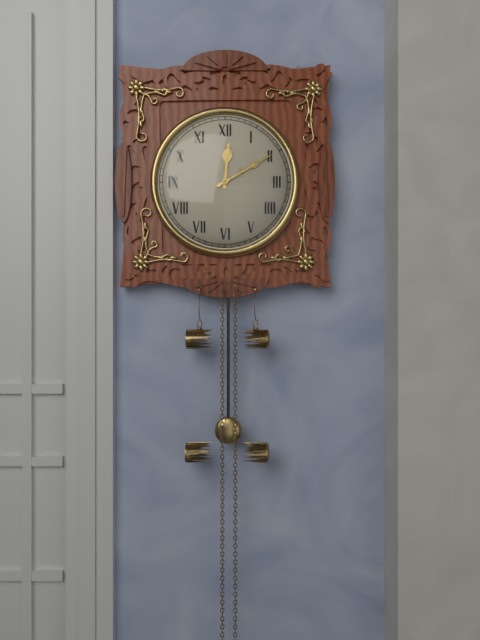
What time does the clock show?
12:10
